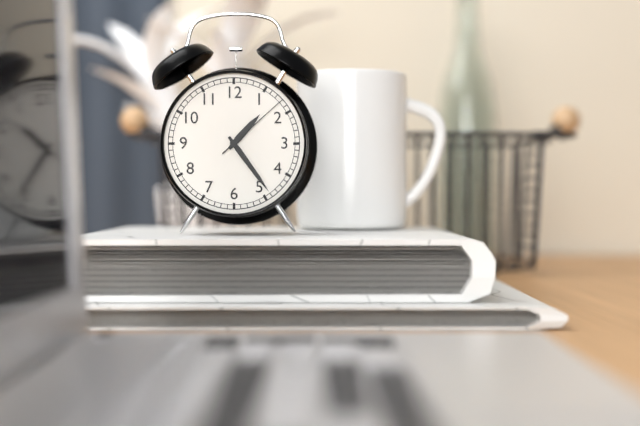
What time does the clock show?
1:24:08
